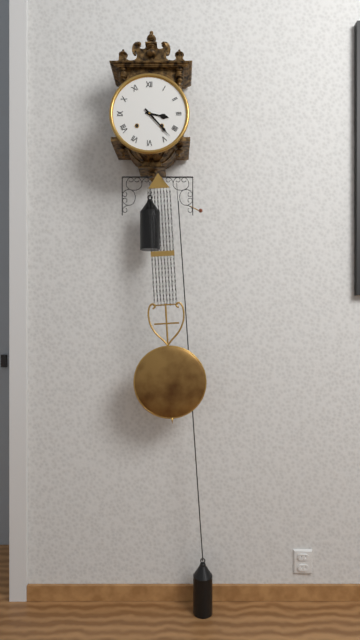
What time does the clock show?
3:23
